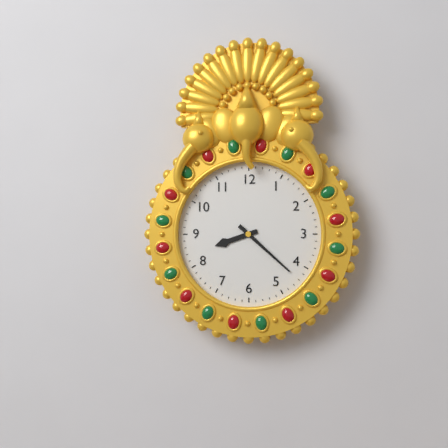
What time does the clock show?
8:22
